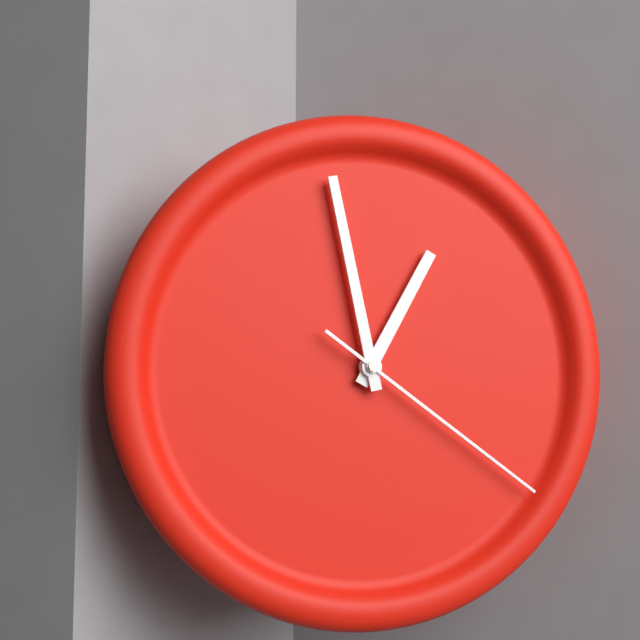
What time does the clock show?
12:58:21
